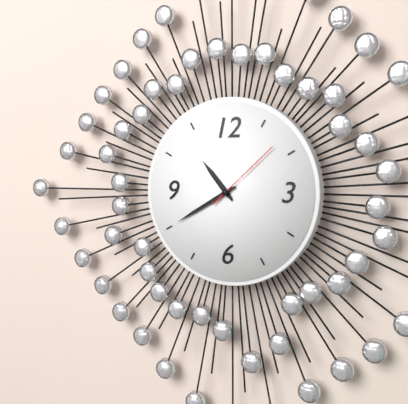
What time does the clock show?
10:40:08
